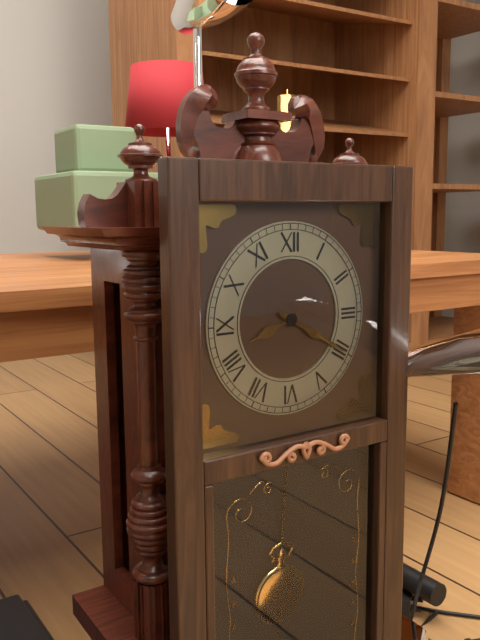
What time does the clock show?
8:20
